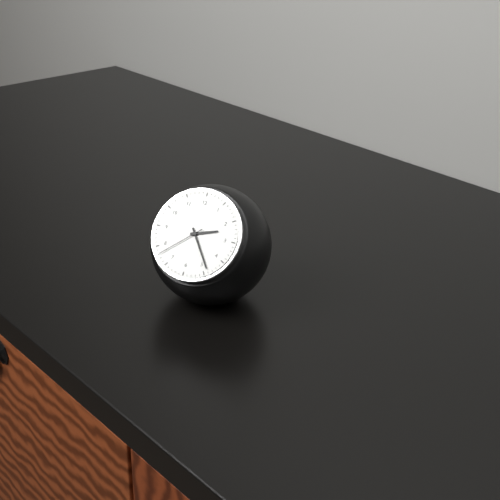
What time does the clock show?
2:24:38
